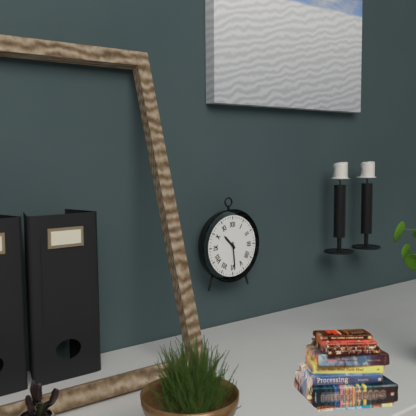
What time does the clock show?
10:29
